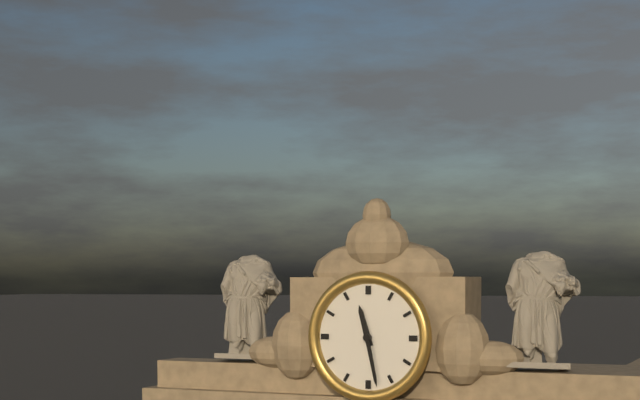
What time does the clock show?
11:28
